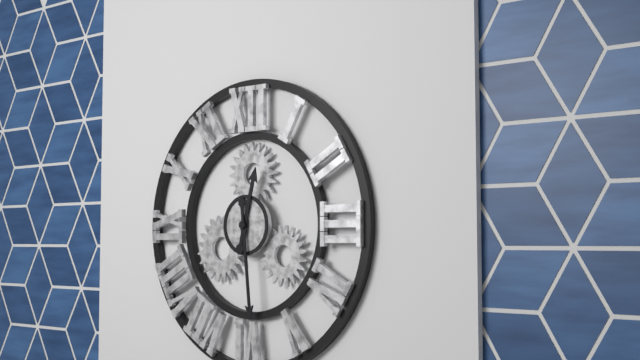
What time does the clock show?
12:29
